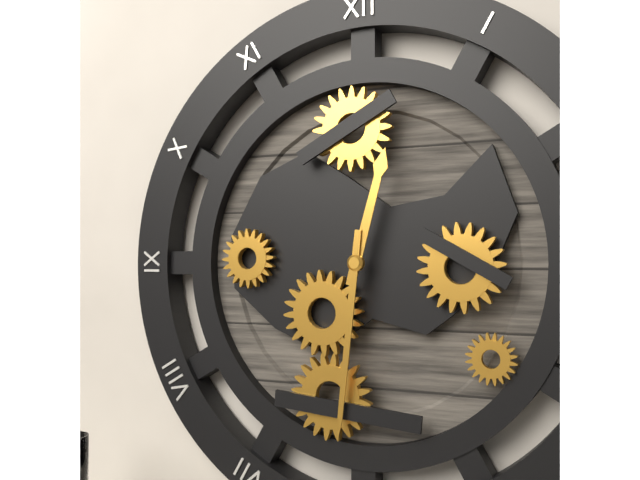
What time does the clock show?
12:31
